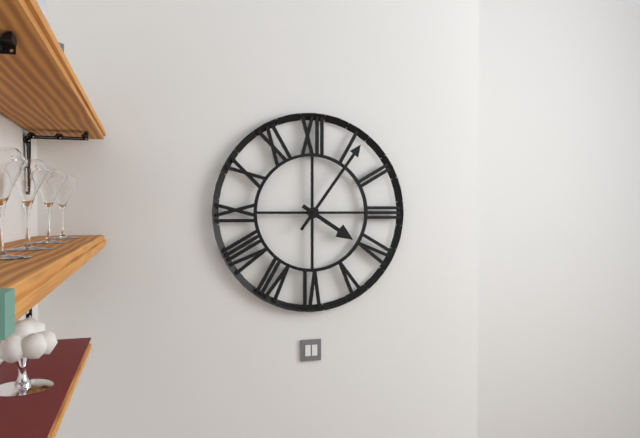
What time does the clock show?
4:06
